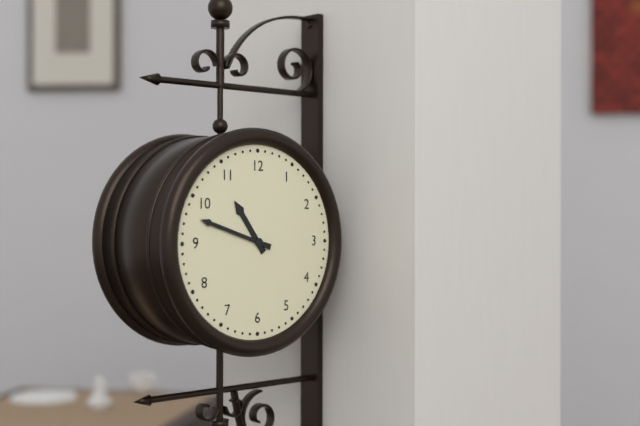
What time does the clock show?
10:48
